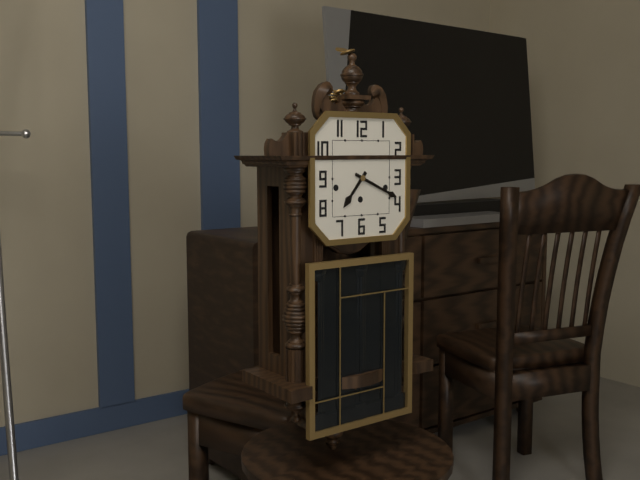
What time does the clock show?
7:19
